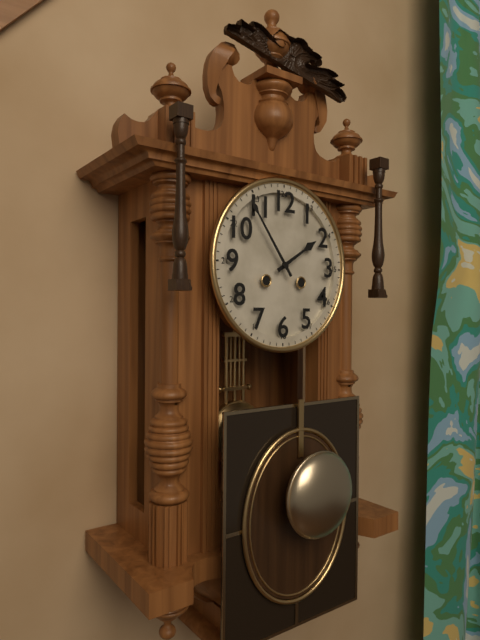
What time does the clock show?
1:54
